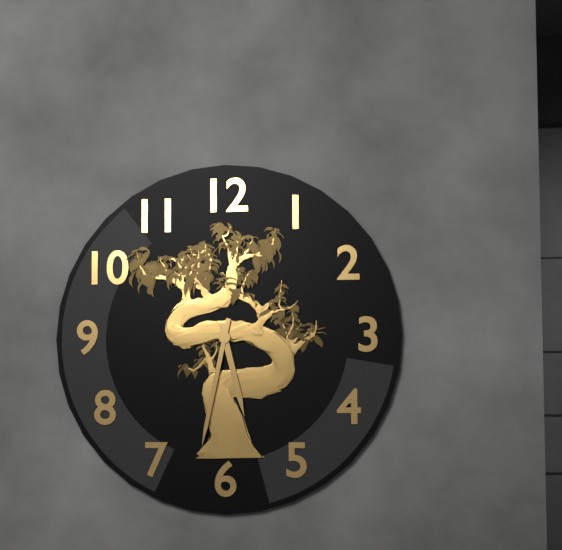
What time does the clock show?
5:32
